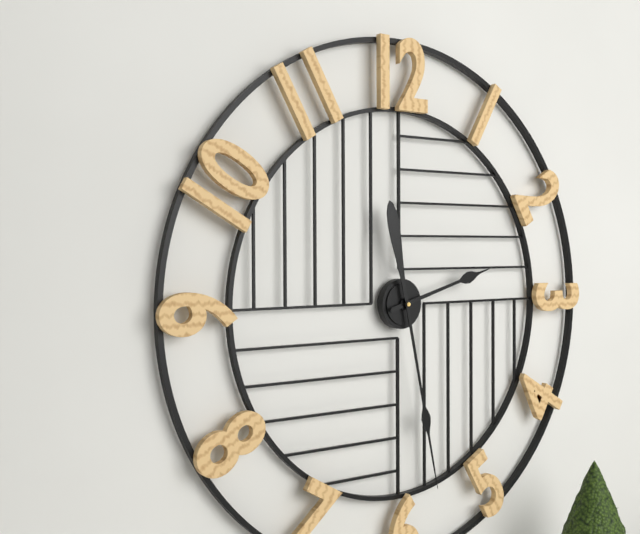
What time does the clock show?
2:28
